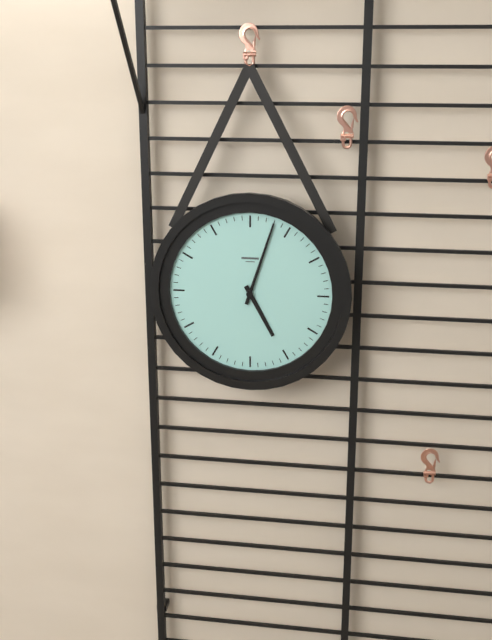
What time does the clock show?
5:03
